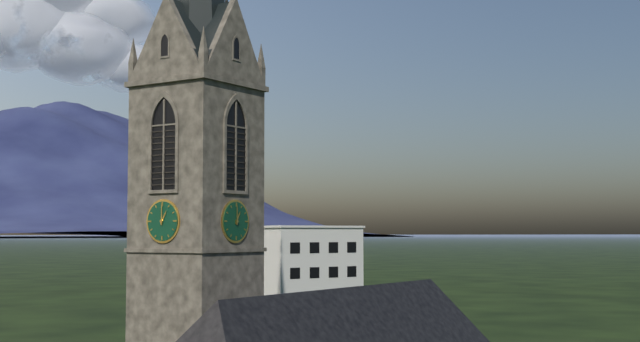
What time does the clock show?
1:00
